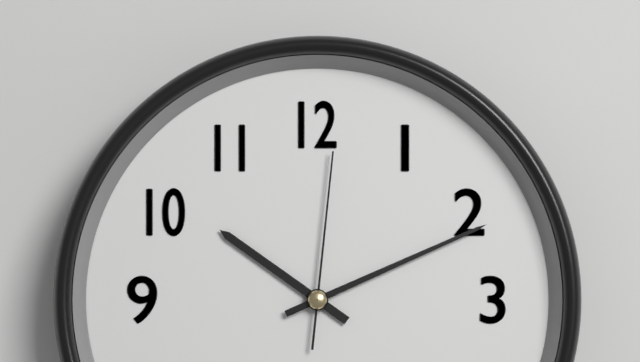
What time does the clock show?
10:11:01
